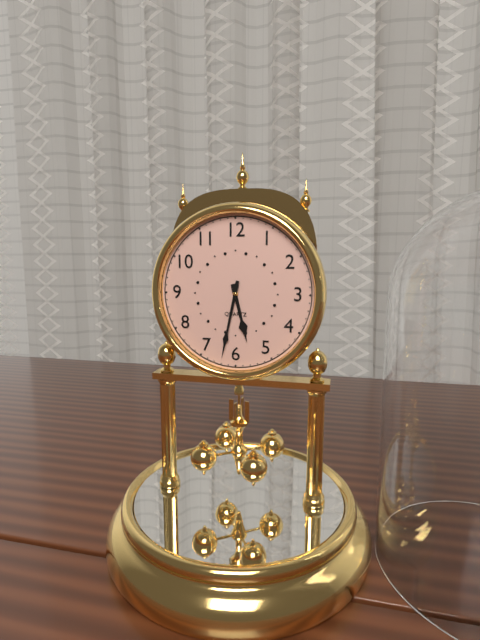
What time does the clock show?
5:32
